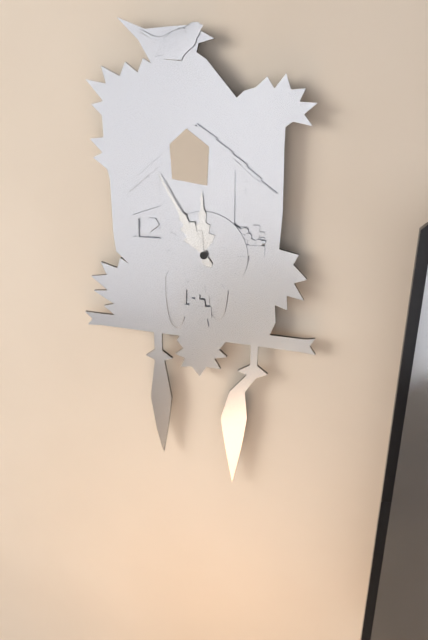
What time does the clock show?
11:55
